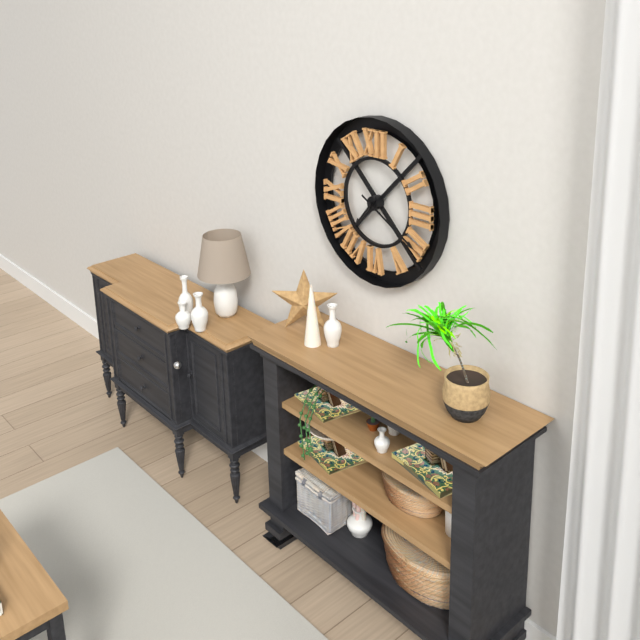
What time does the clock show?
7:20
